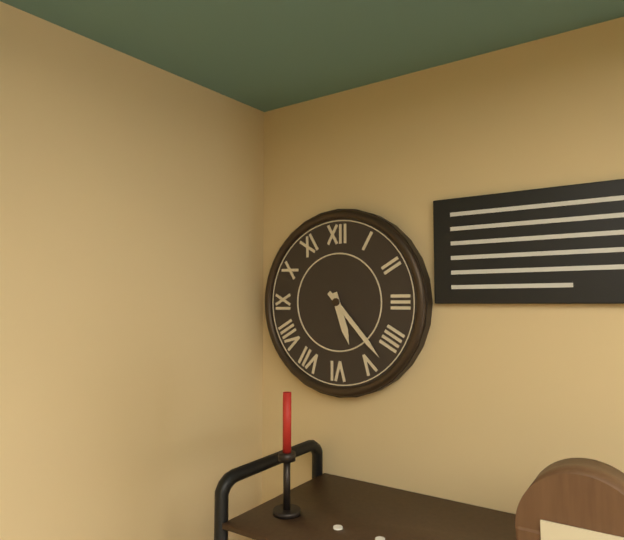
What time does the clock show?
5:23
